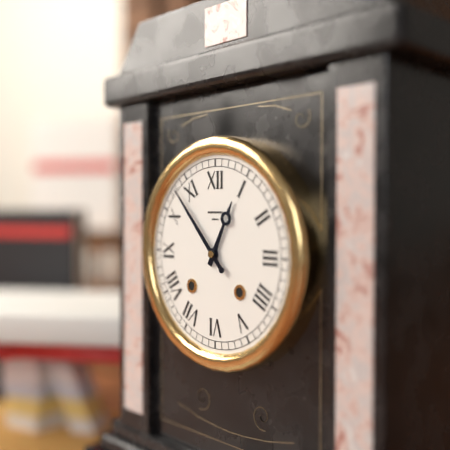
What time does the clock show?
12:53
